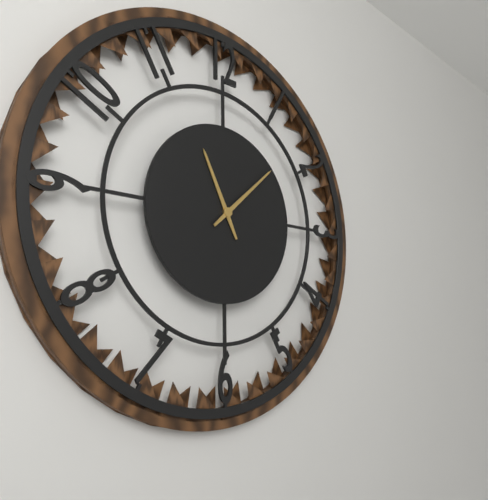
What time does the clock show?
11:08
